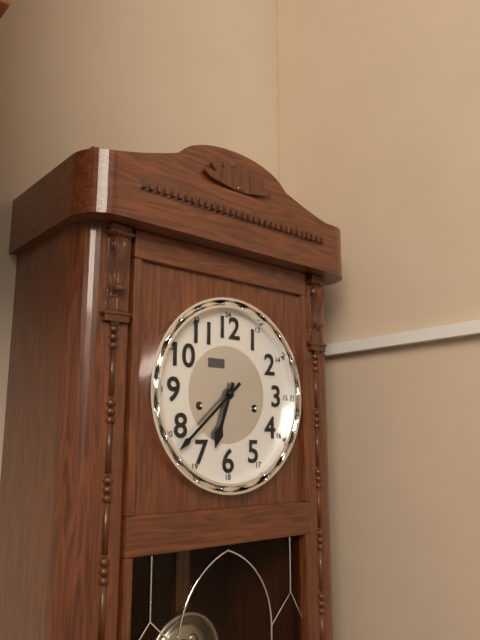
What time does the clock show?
6:38
